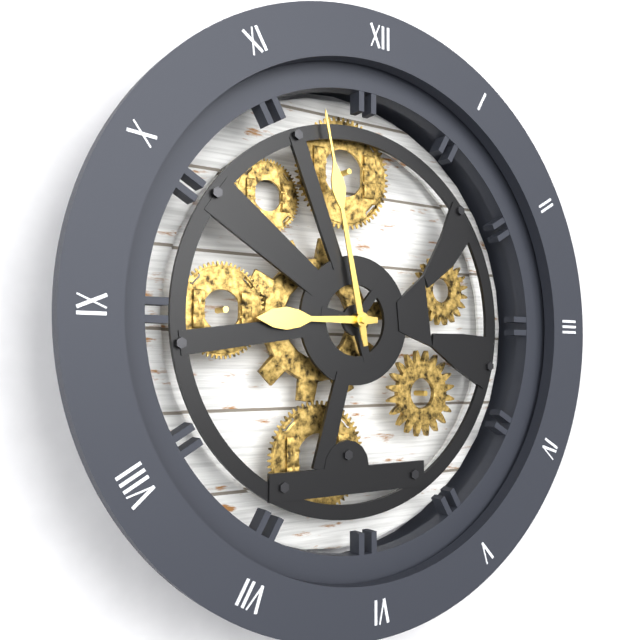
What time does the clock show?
8:58
